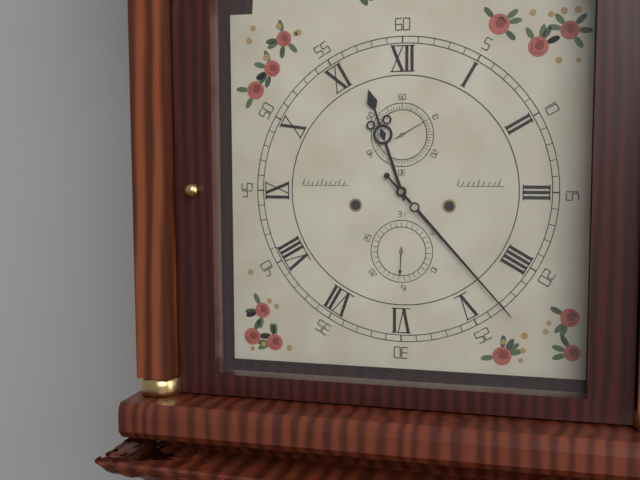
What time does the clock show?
11:23
